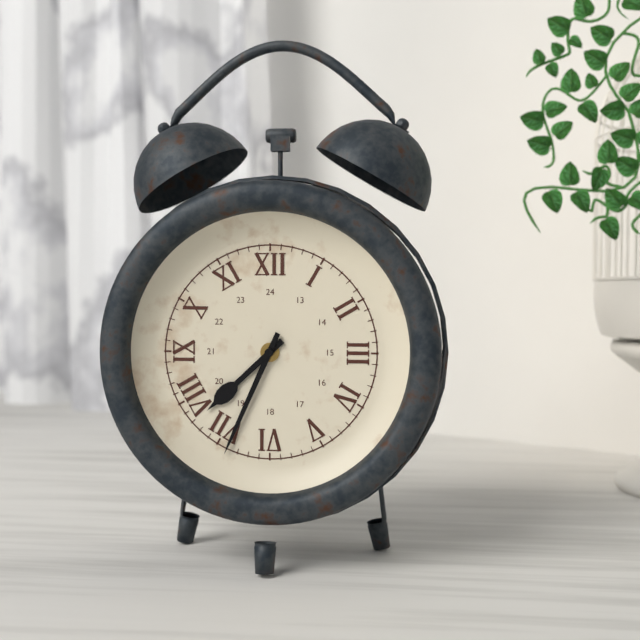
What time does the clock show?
7:34
